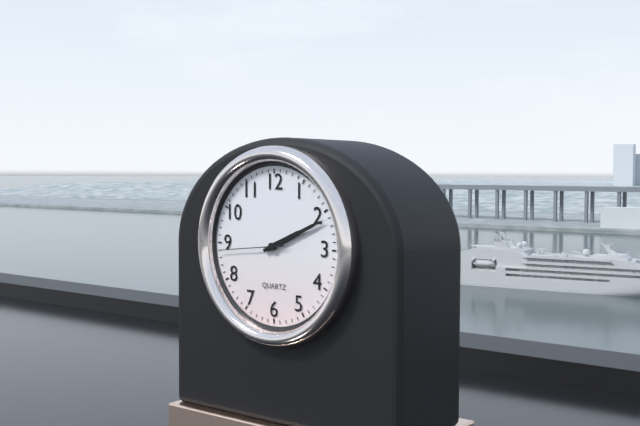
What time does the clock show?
2:11:44
